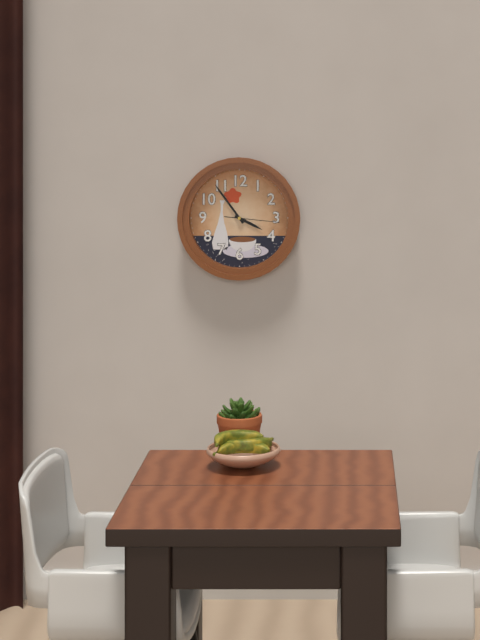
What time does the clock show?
3:54:16
